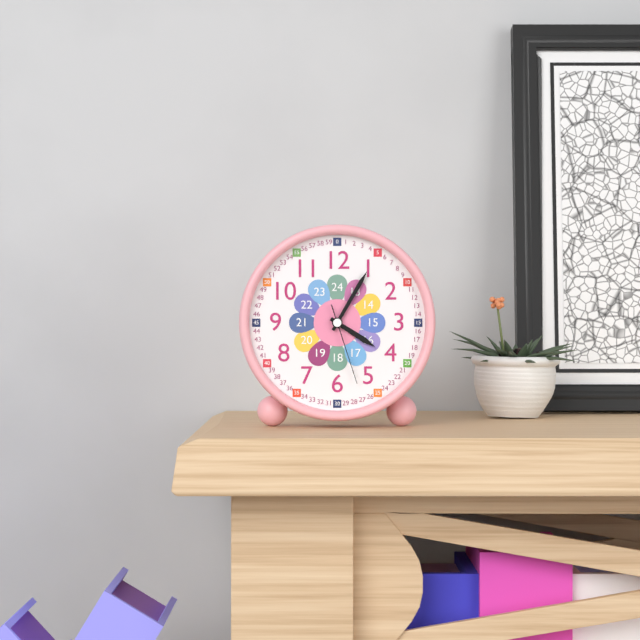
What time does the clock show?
4:05:27
